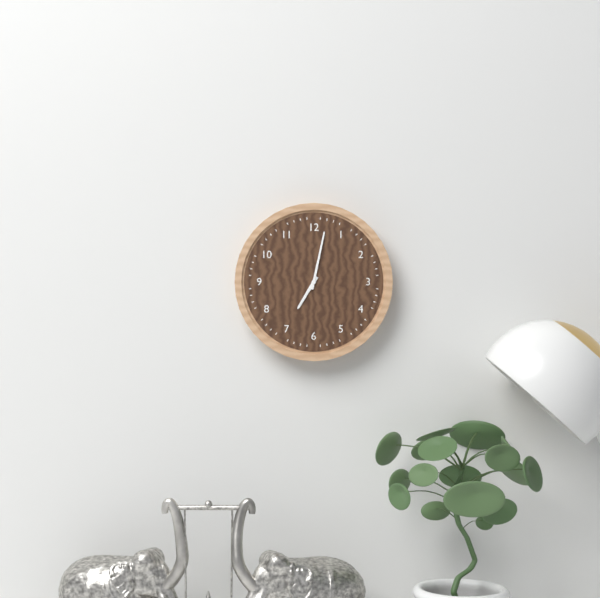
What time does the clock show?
7:02
